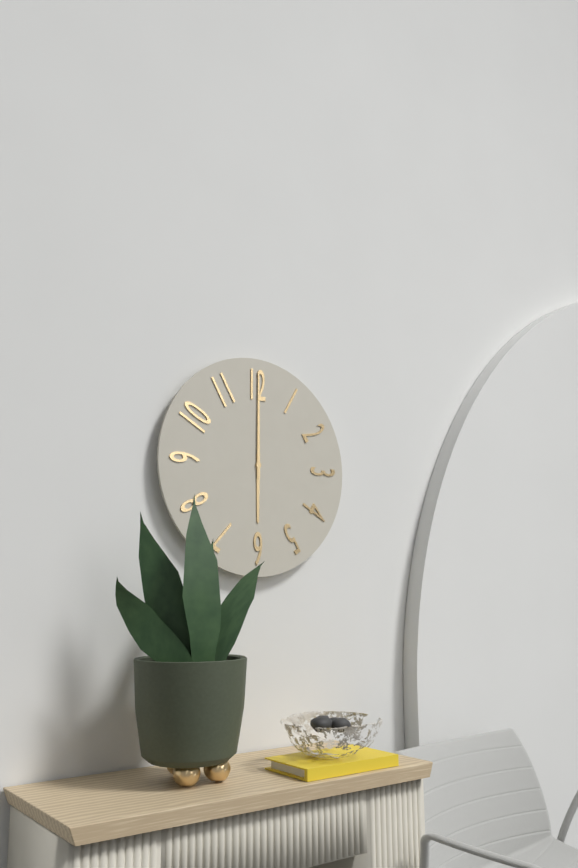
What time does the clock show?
6:00
